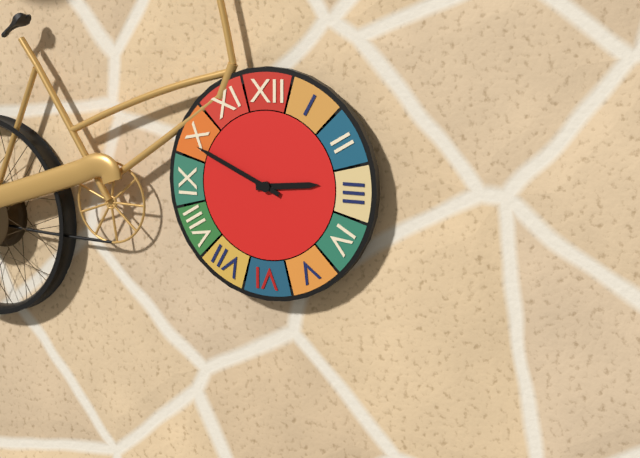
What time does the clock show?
2:49
